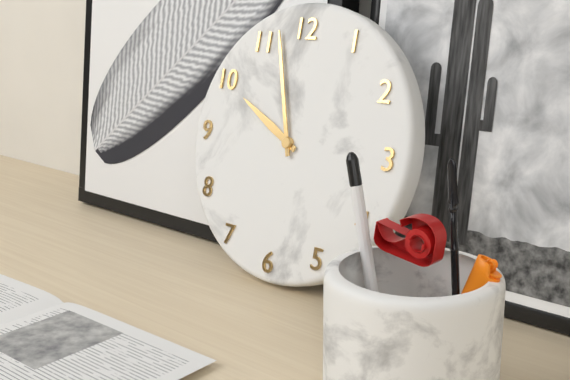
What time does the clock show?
9:57
